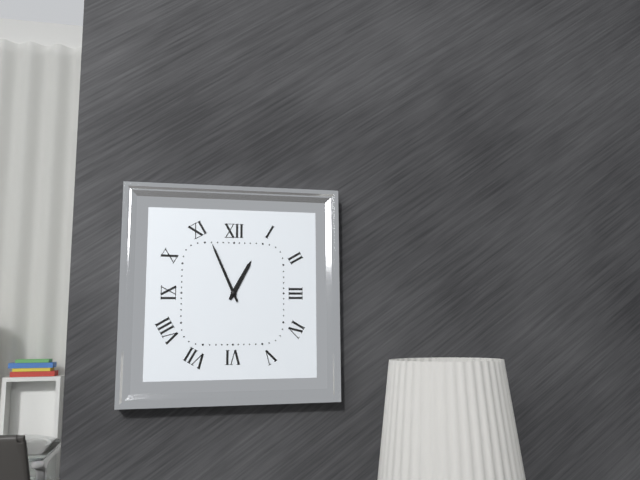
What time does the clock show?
12:56
